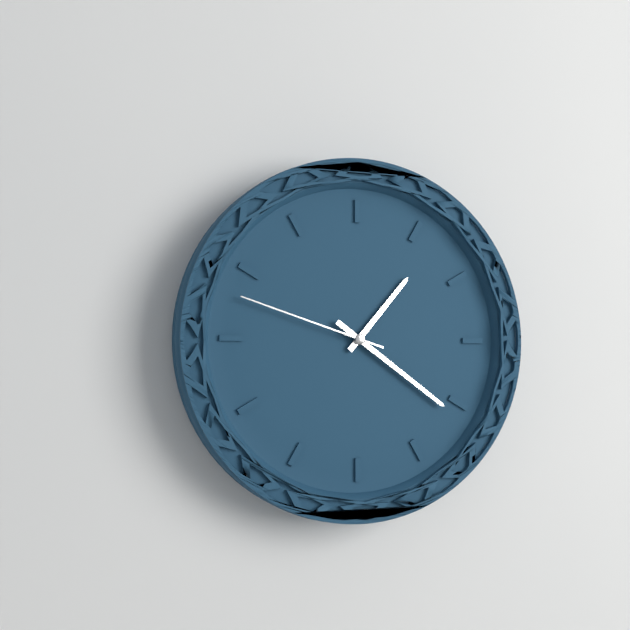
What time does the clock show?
1:21:48
